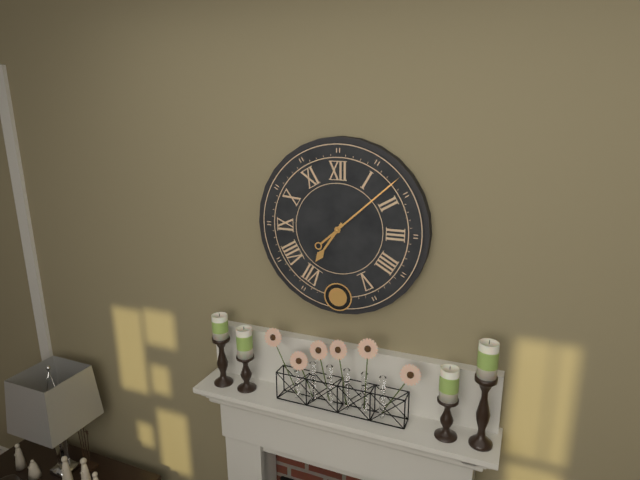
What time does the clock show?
7:08
